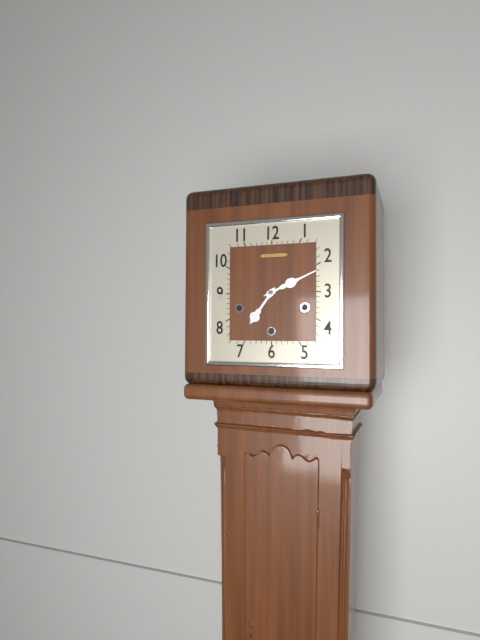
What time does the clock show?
7:11
